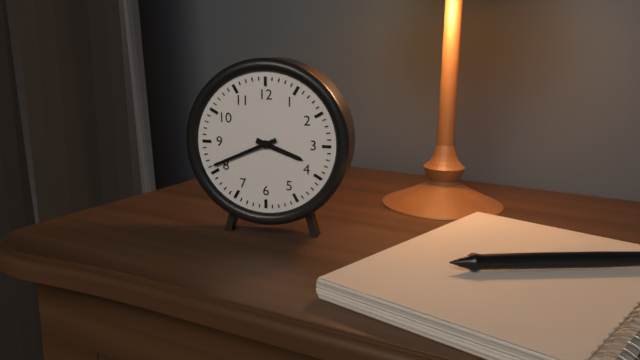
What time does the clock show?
3:41
